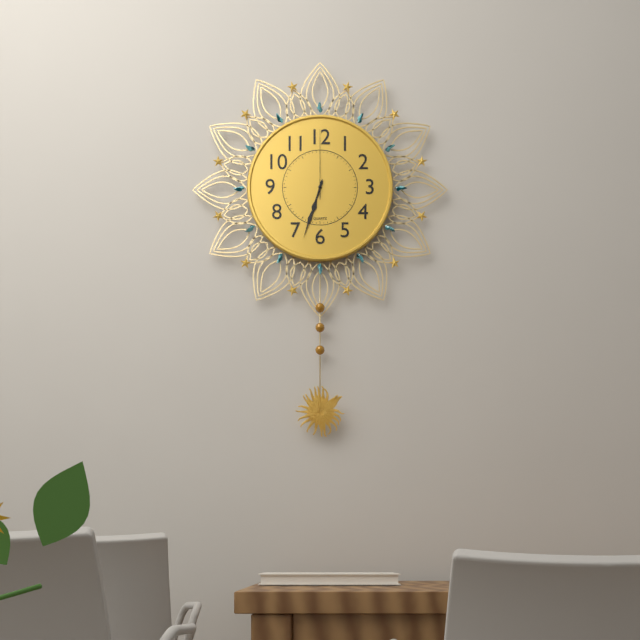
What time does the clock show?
6:33:00
